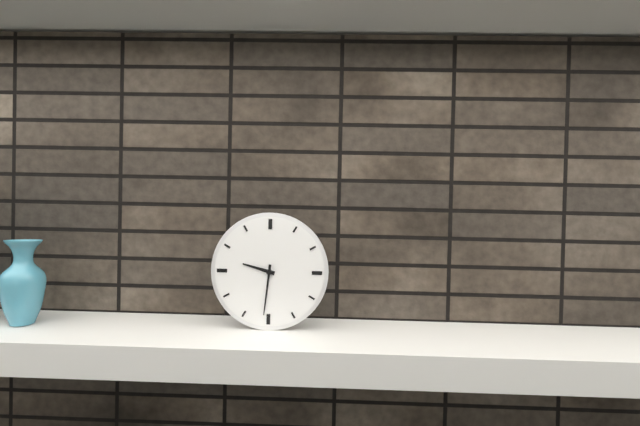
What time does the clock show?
9:31
